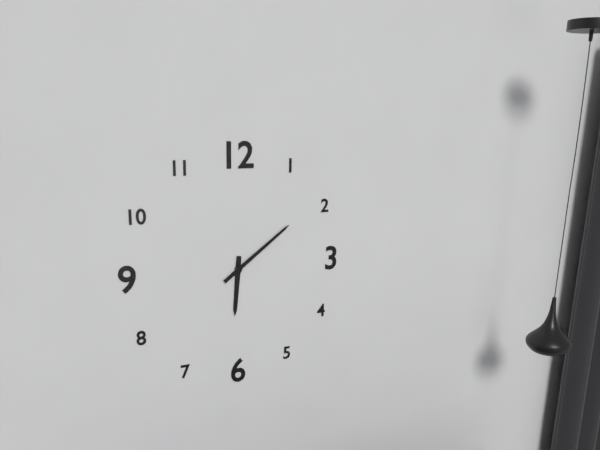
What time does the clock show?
6:09
